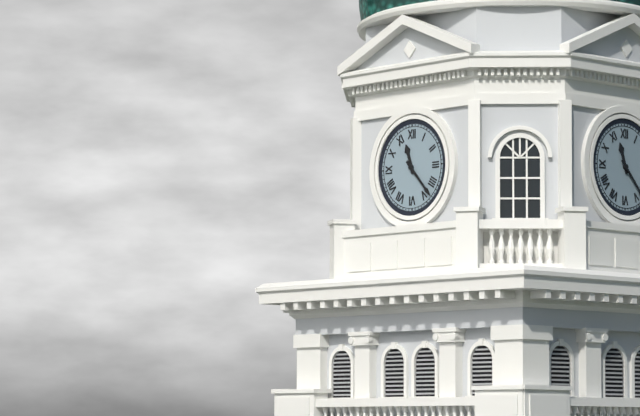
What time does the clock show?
11:23
